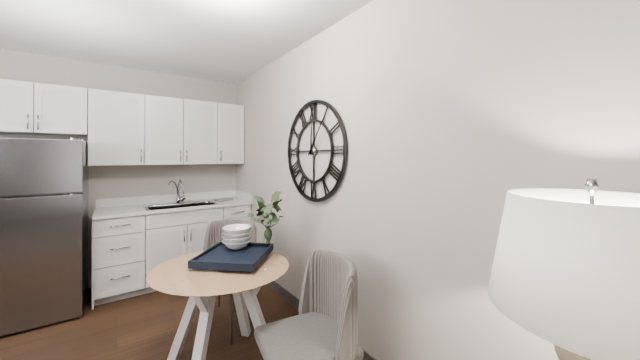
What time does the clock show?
12:06
